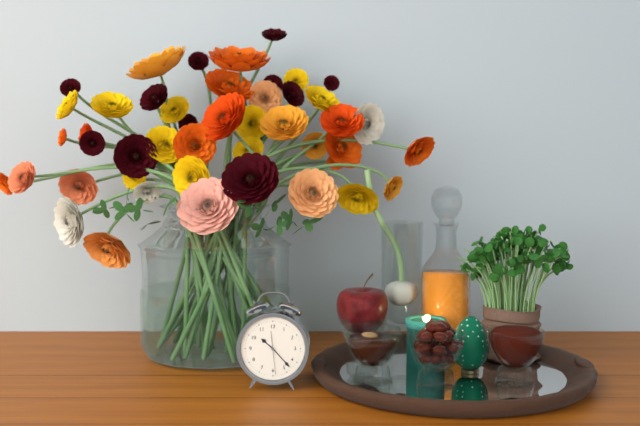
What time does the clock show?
10:23
